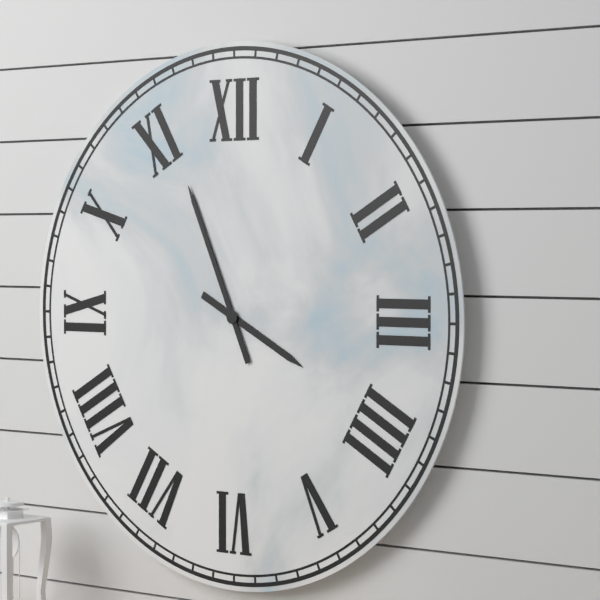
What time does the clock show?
3:56
